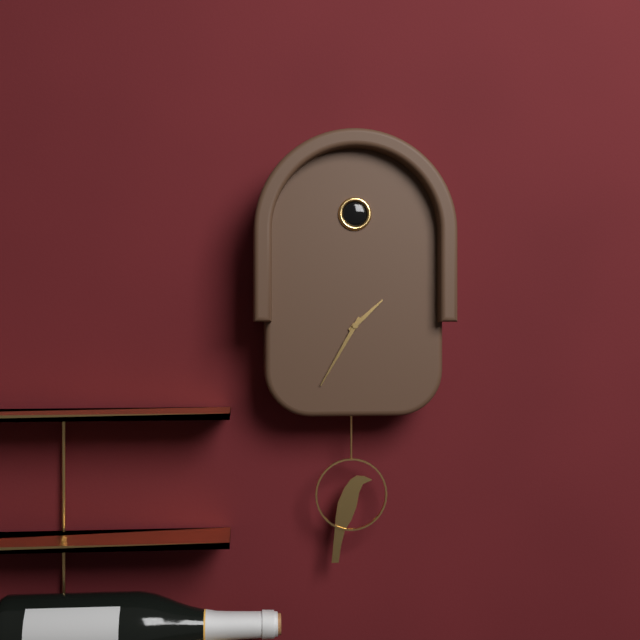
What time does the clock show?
1:35
